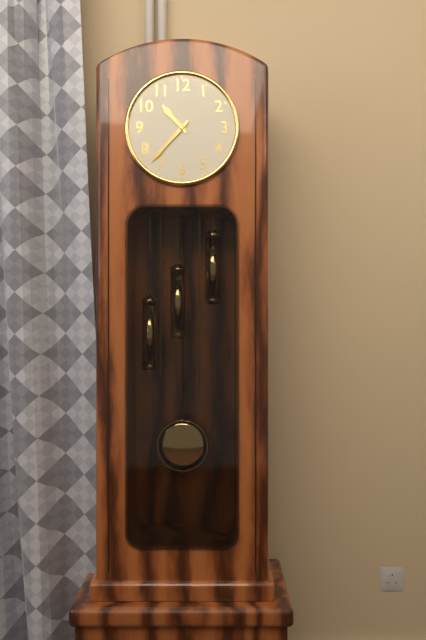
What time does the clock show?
10:37
